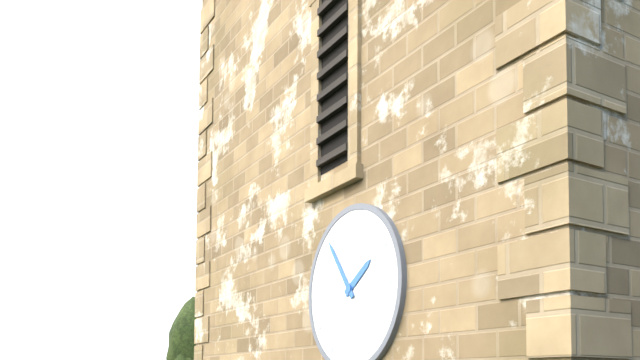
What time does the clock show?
1:54
